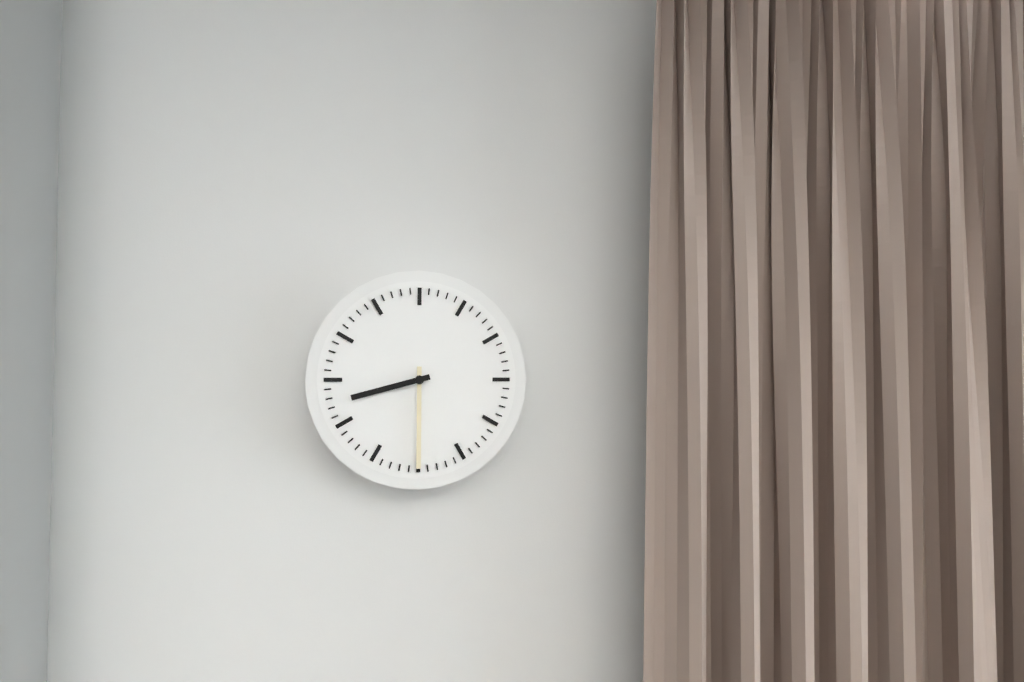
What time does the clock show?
8:30
